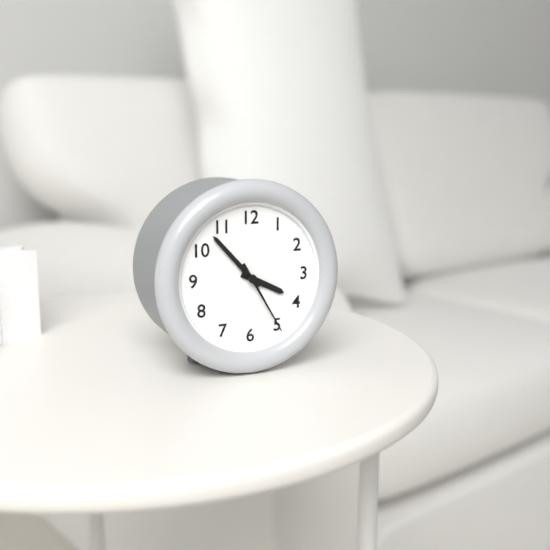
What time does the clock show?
3:53:25
